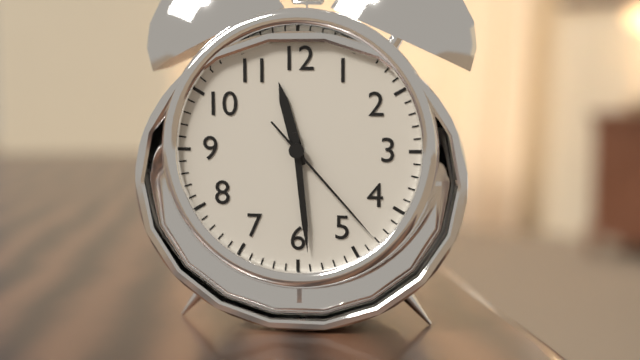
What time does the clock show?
11:29:23
